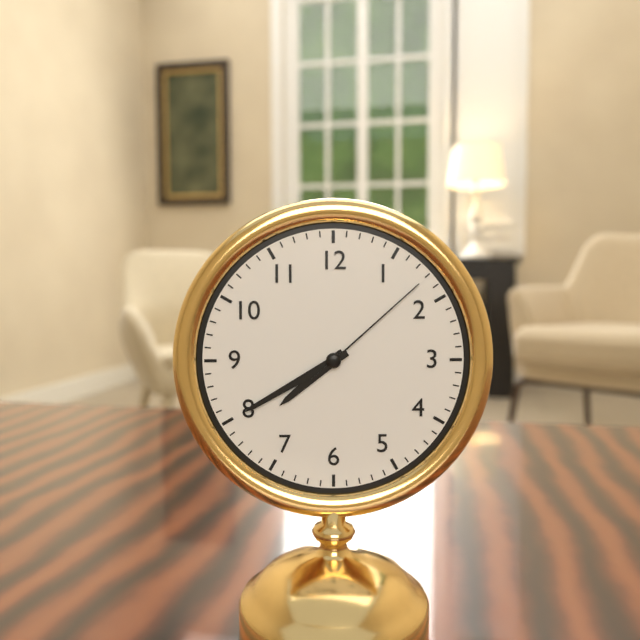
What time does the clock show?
7:40:08
